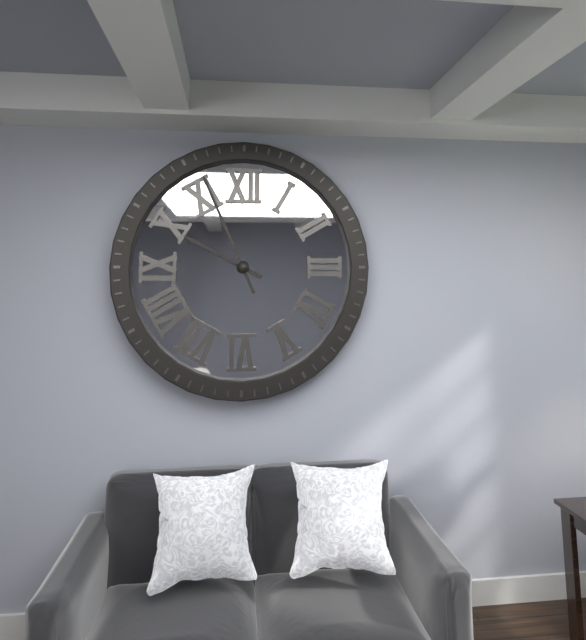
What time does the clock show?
9:56
